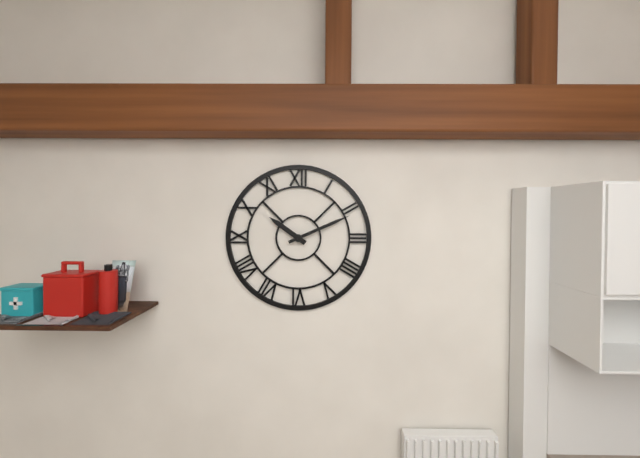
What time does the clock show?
10:11
